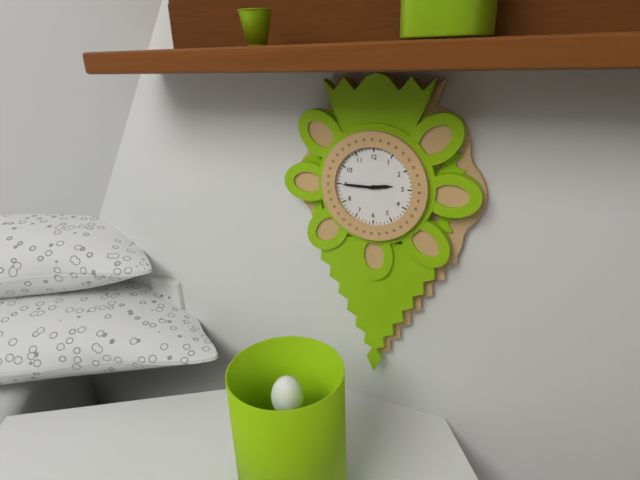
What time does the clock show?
2:45
